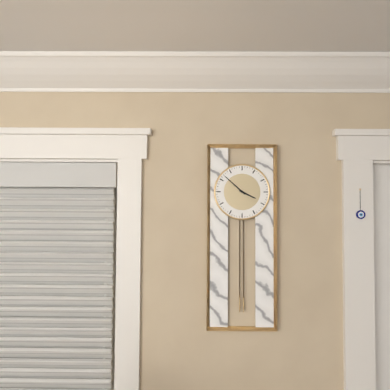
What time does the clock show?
3:52
